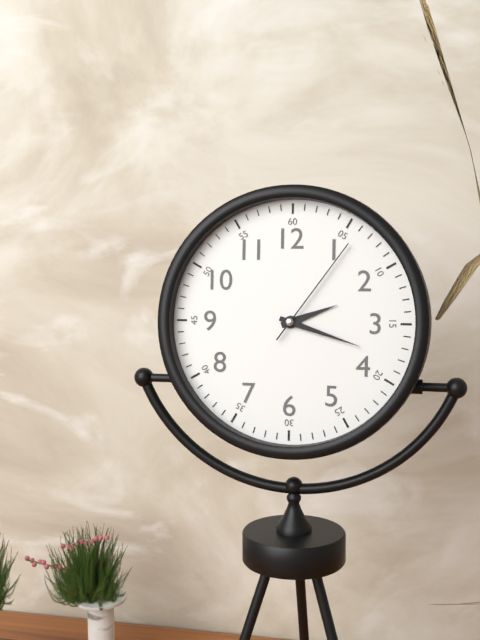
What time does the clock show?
2:18:06
